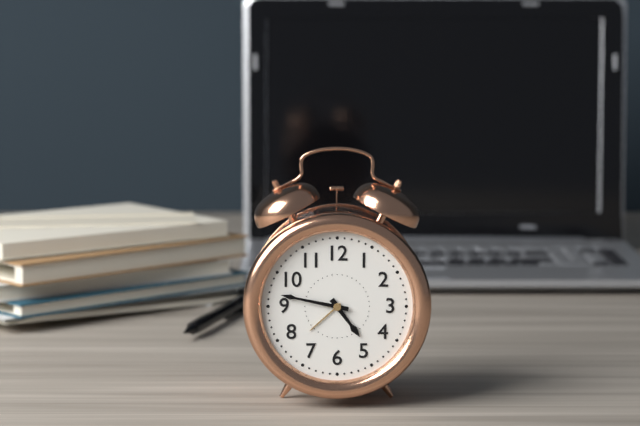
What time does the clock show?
4:47
